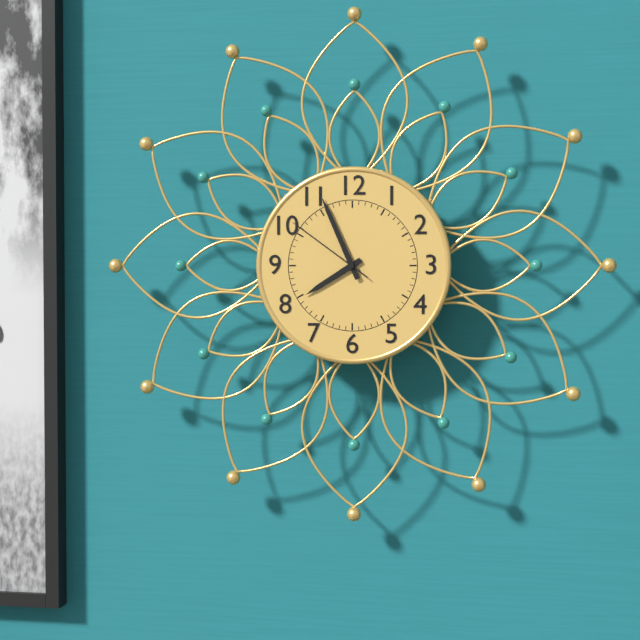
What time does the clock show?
7:56:51
